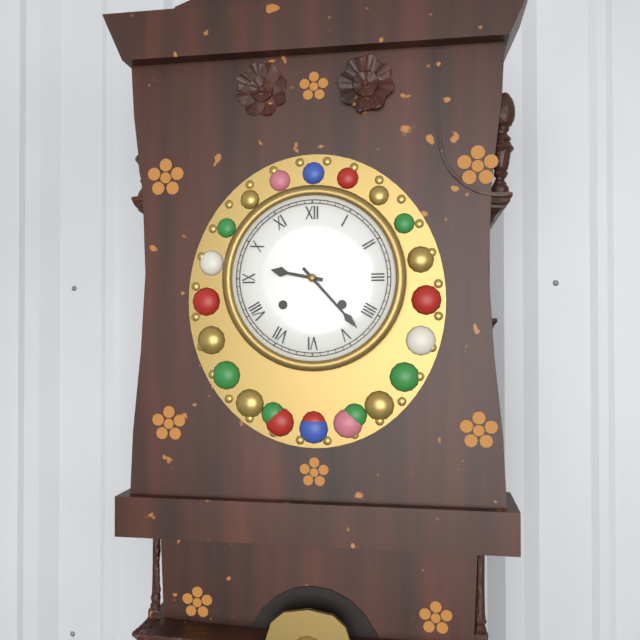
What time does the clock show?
9:23
